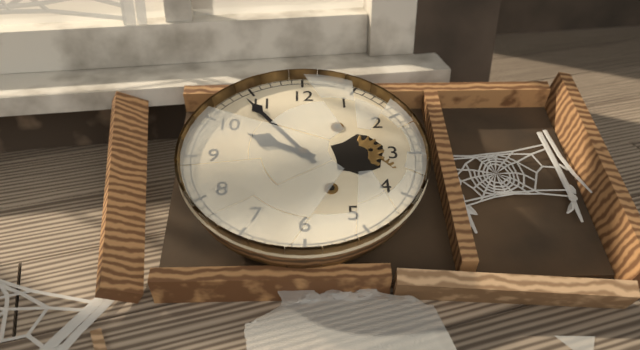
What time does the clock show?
9:54
